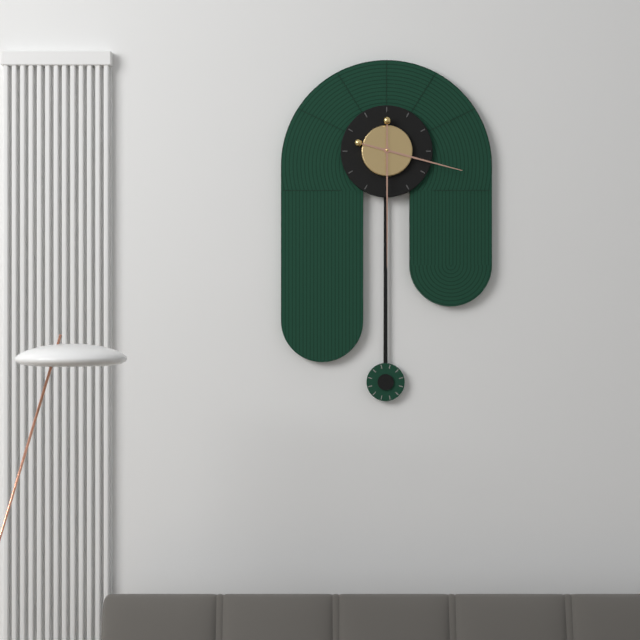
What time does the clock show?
3:30
